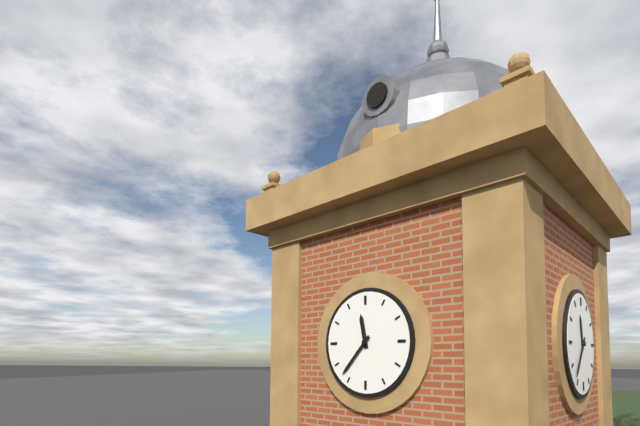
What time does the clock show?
11:37
